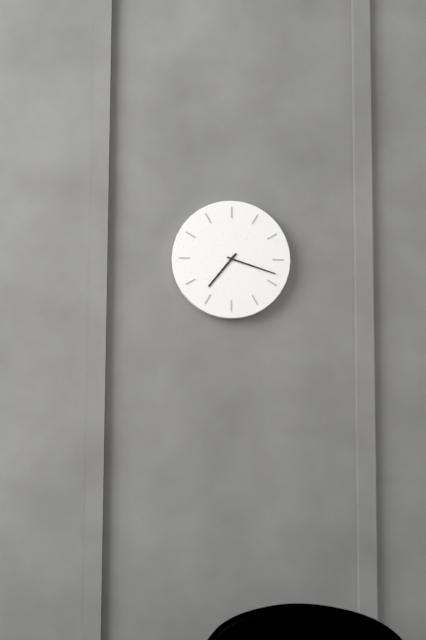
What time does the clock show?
7:18
